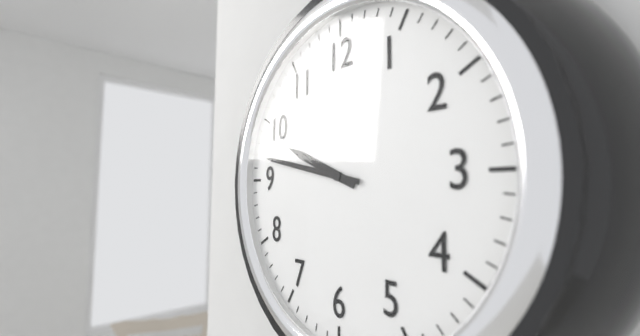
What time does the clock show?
9:47
